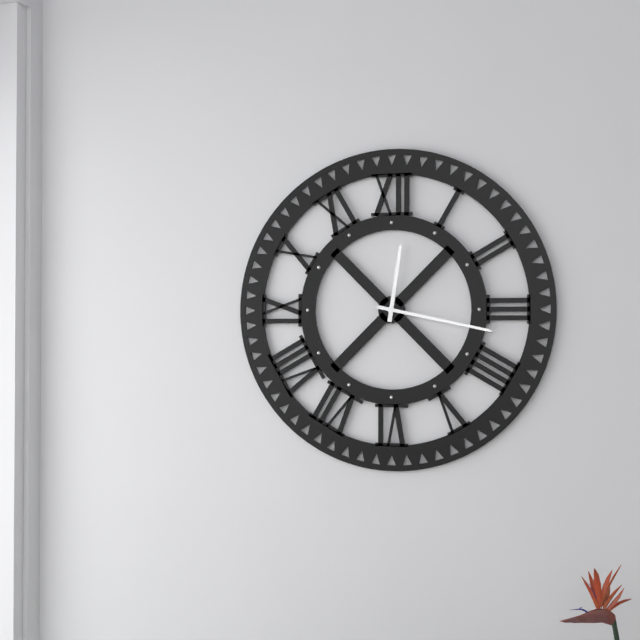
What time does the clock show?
12:17
